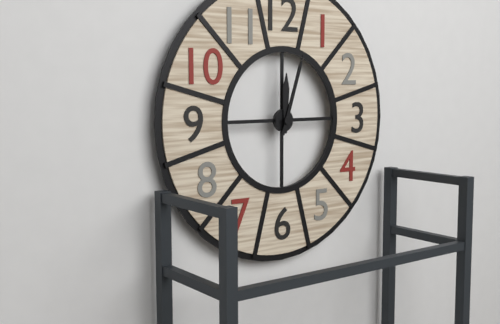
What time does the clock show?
12:03
